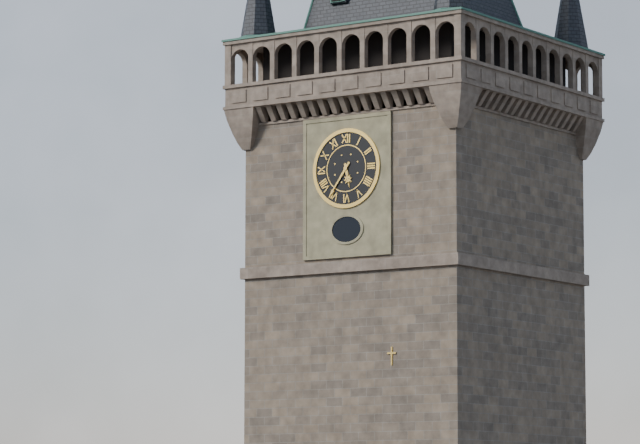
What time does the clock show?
5:36
